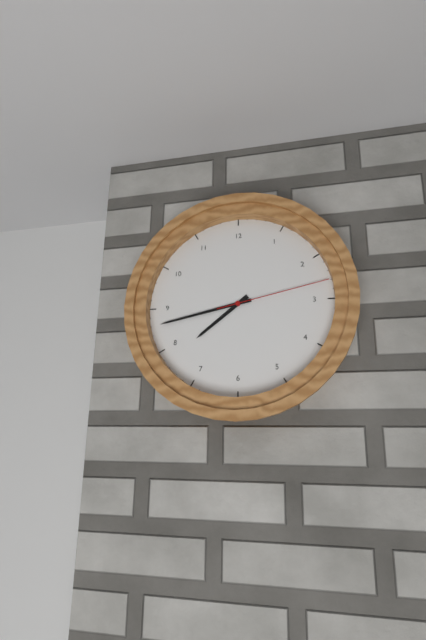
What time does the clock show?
7:43:13
